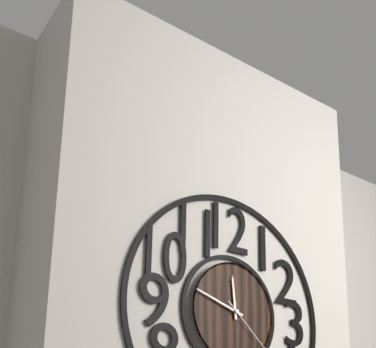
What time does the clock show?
11:48
